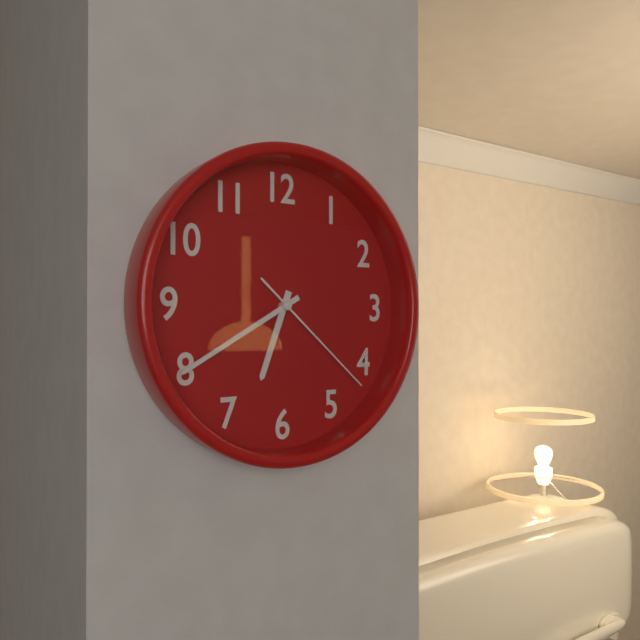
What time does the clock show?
6:40:22
